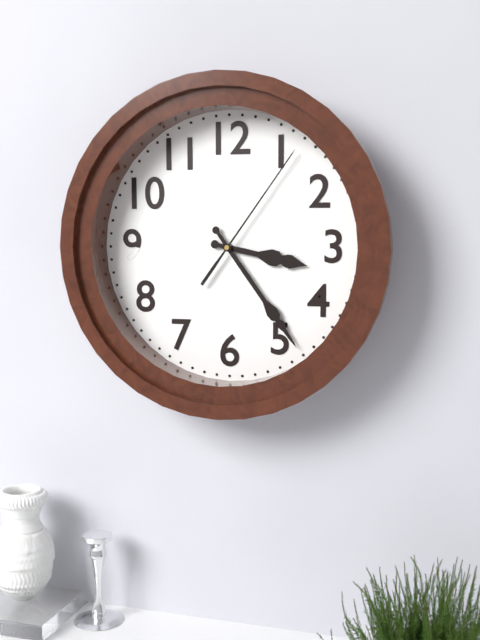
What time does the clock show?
3:24:06
